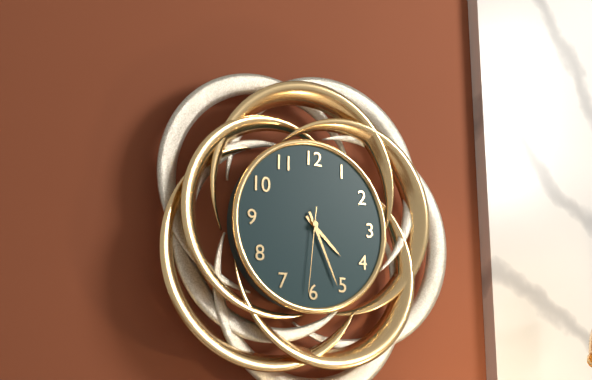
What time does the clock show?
4:26:31
